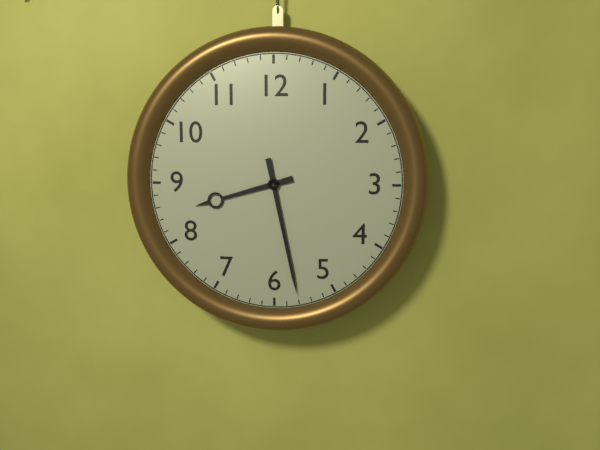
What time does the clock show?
8:28
